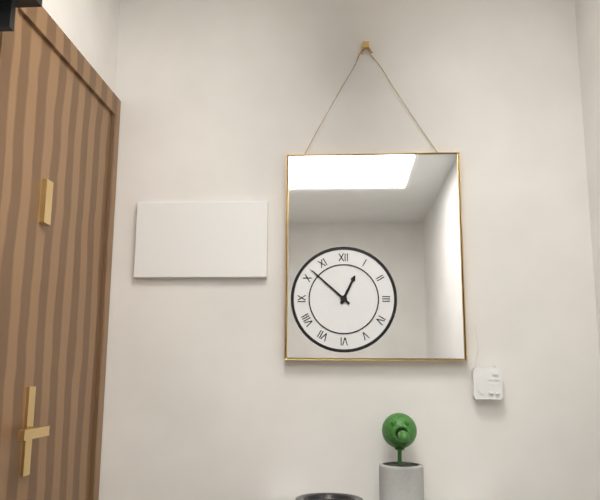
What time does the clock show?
12:52
